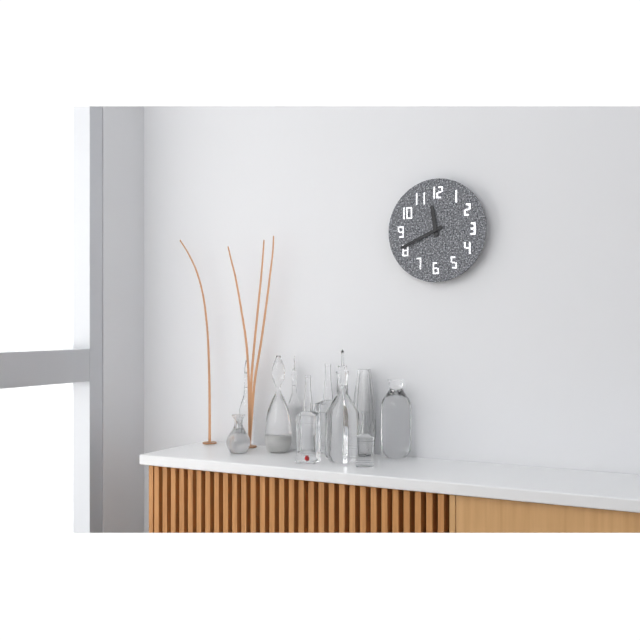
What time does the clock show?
11:41
